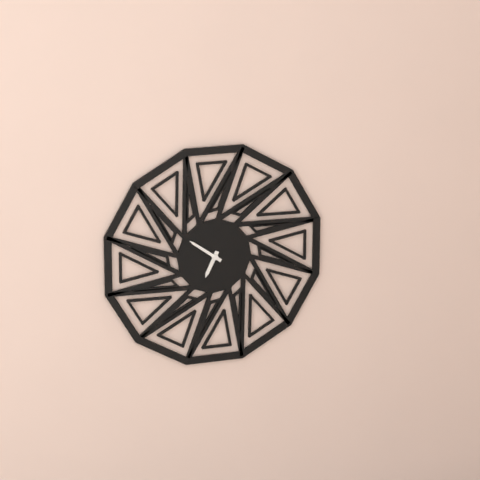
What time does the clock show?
6:51
